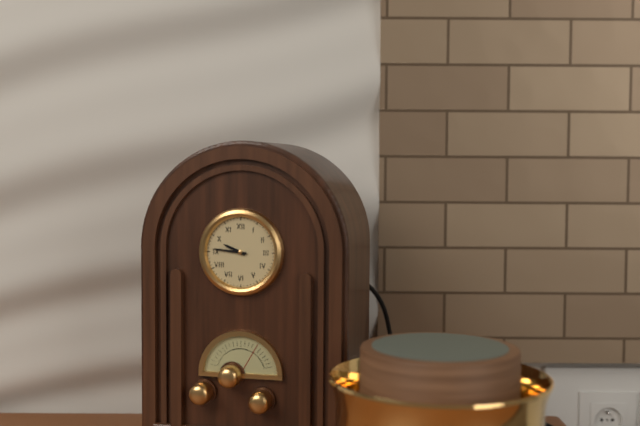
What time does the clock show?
9:46
